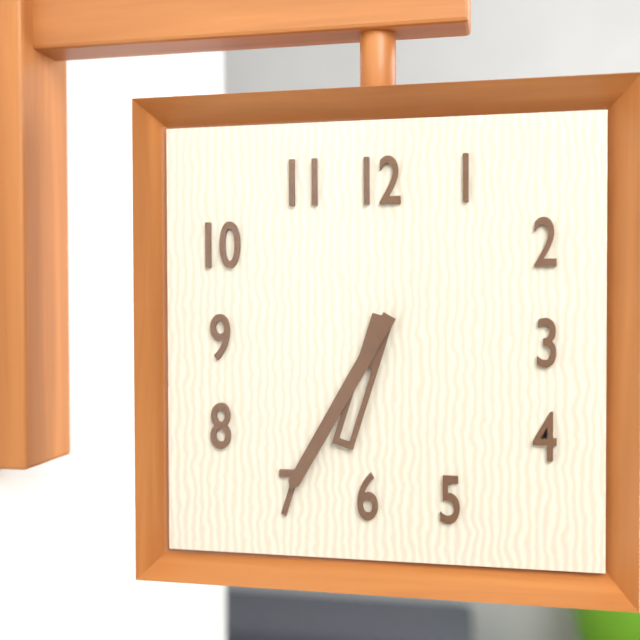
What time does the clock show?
6:35
